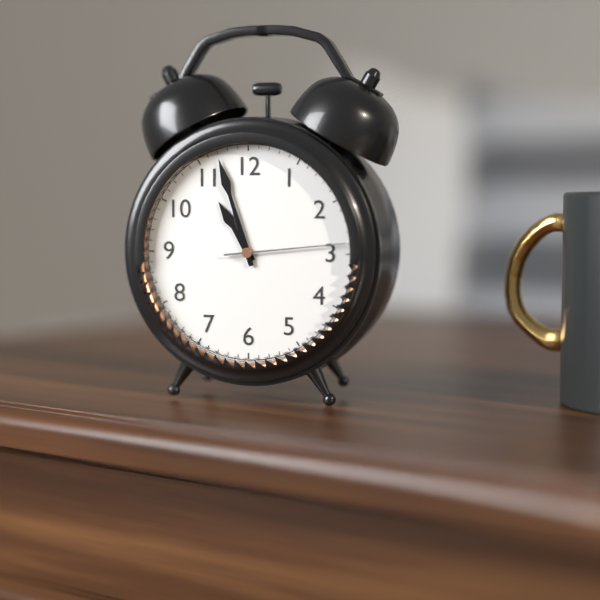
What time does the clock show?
10:57:14
